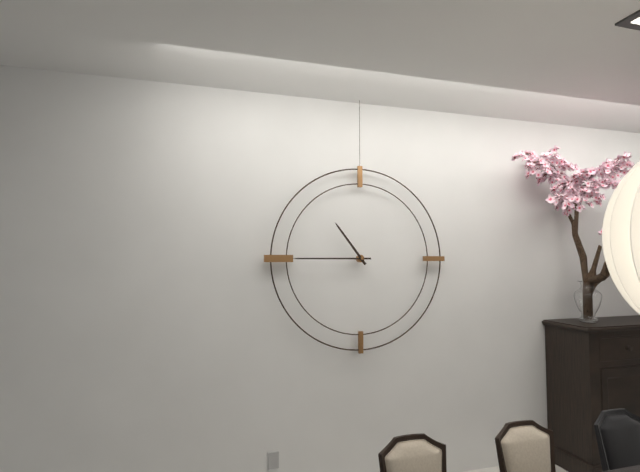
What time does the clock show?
10:45
